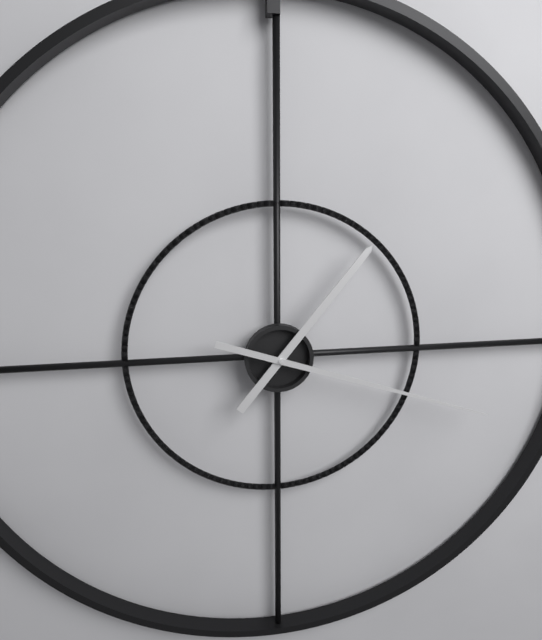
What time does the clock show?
1:18
